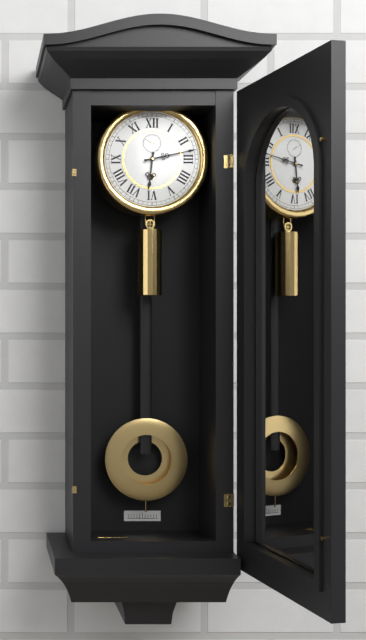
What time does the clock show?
6:13
